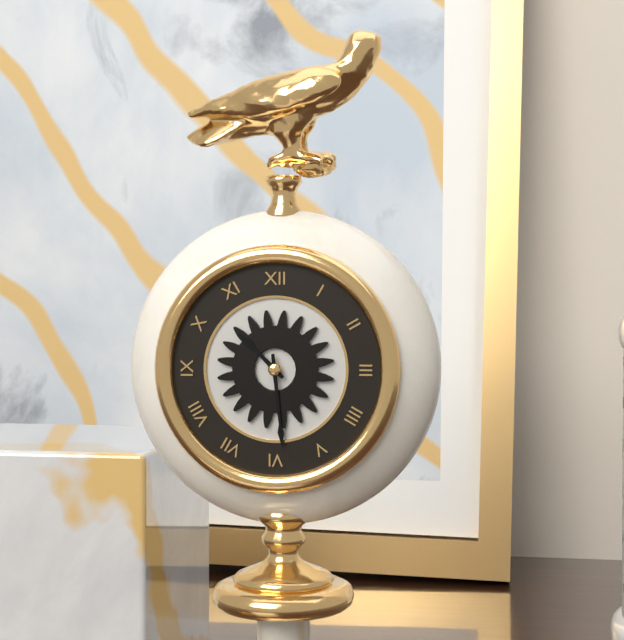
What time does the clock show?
10:29
